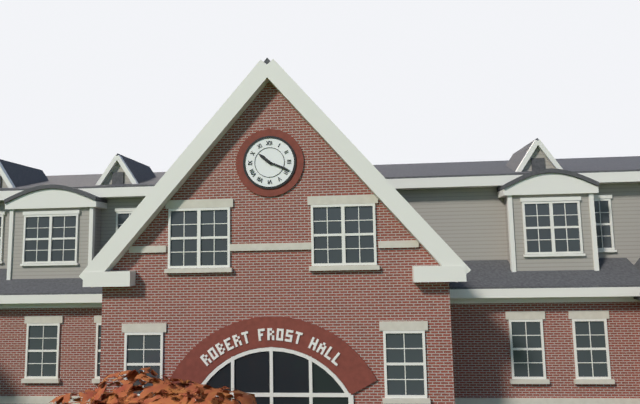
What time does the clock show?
10:19
